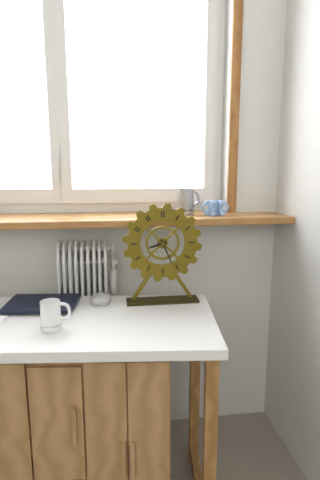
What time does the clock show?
8:26
